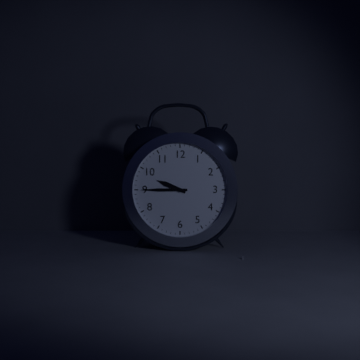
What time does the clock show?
9:45
